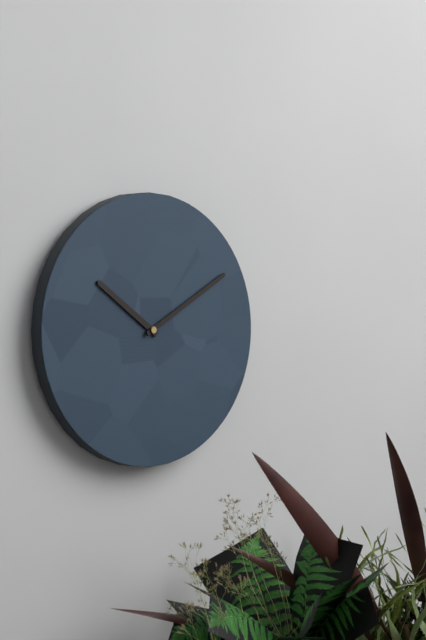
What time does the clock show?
10:10
